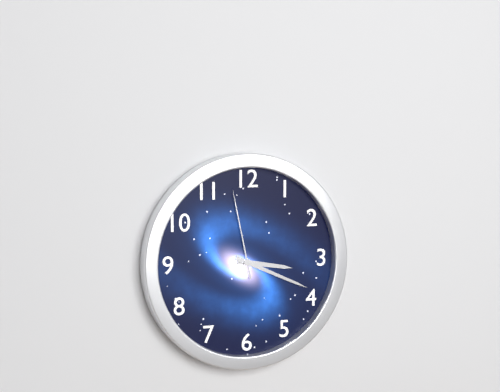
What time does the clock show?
3:19:58
